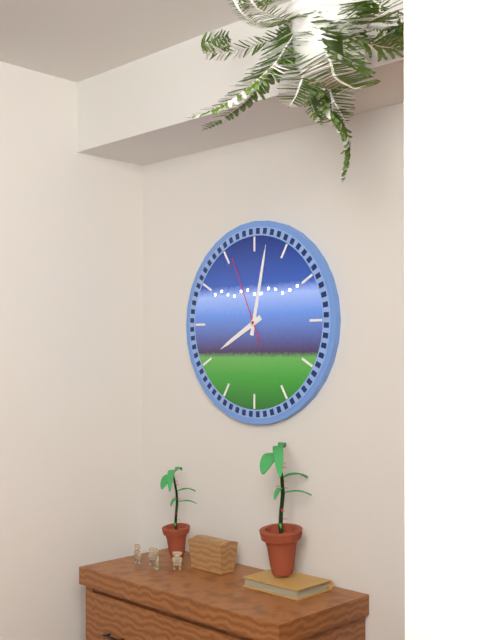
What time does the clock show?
8:02:56
